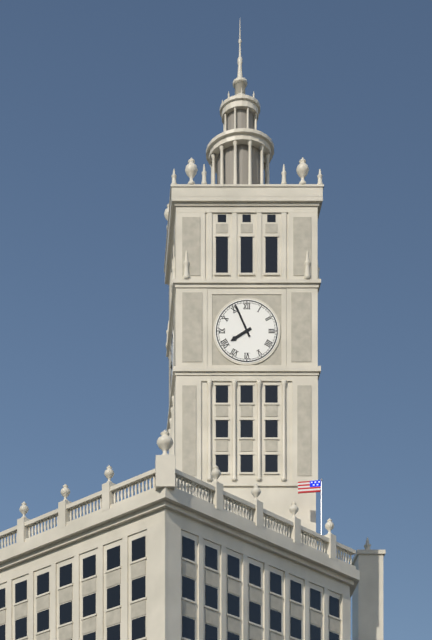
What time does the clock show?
7:56
